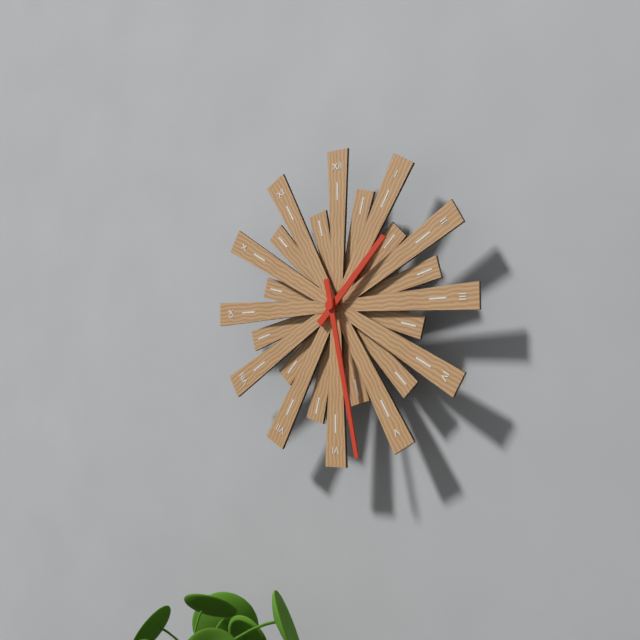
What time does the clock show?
1:28
